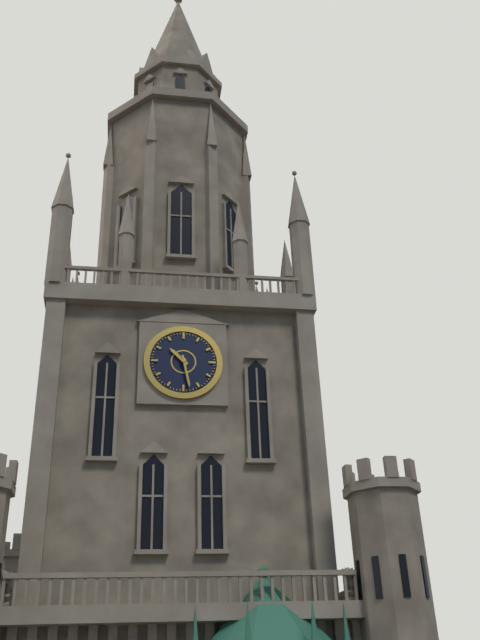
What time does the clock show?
10:28
